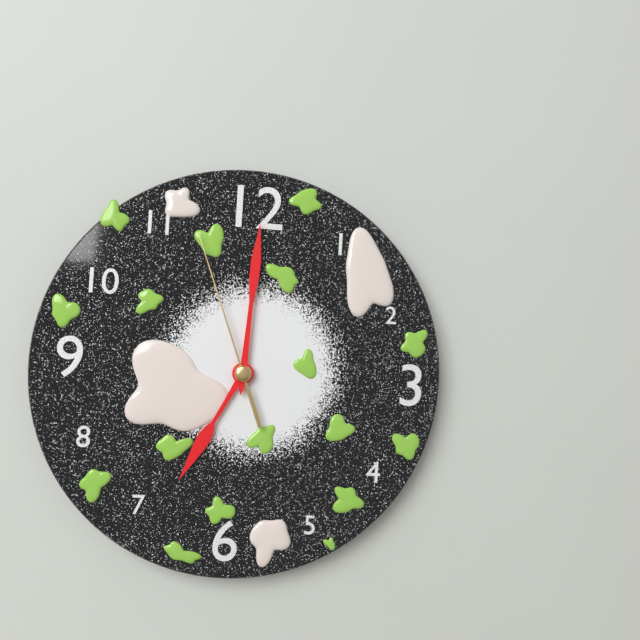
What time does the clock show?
7:01:57
